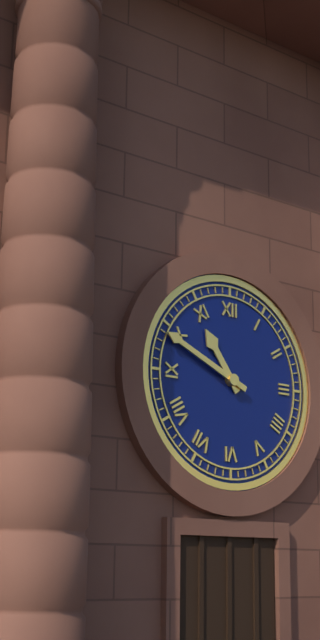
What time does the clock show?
10:49
